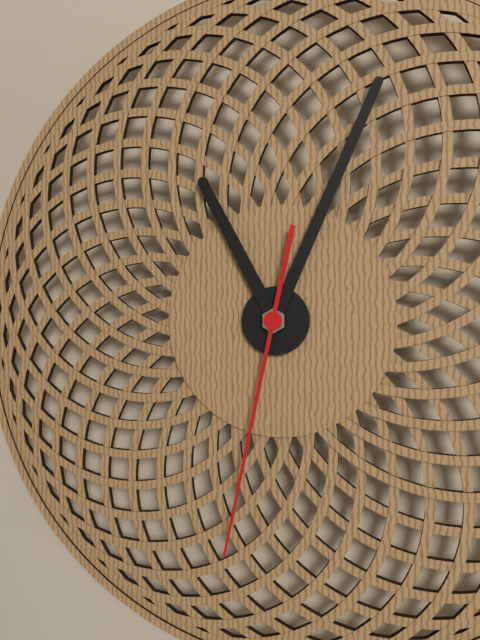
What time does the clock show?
11:04:32
